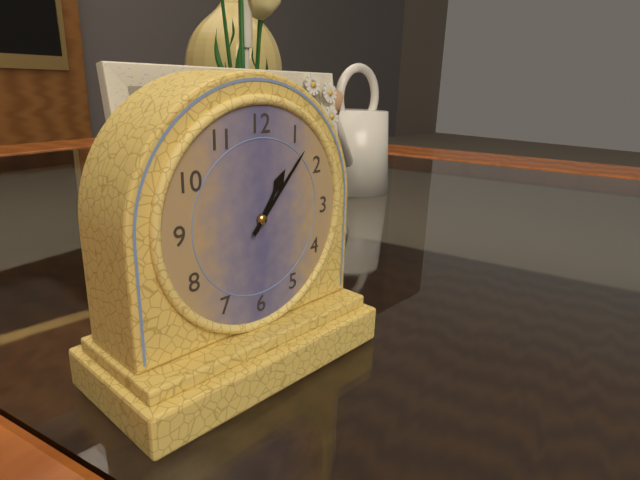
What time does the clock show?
1:07
